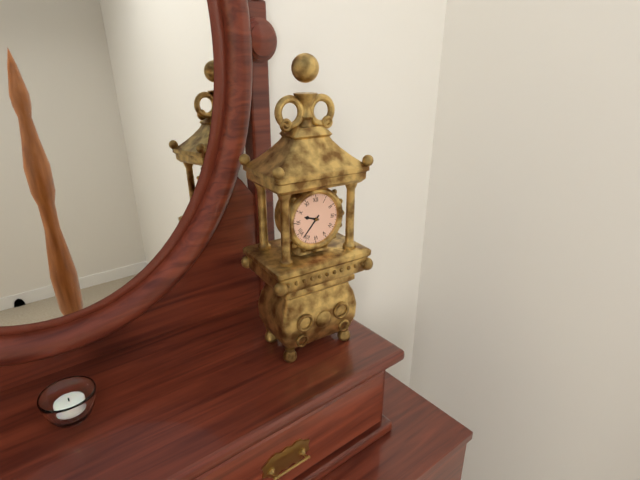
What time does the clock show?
9:37
